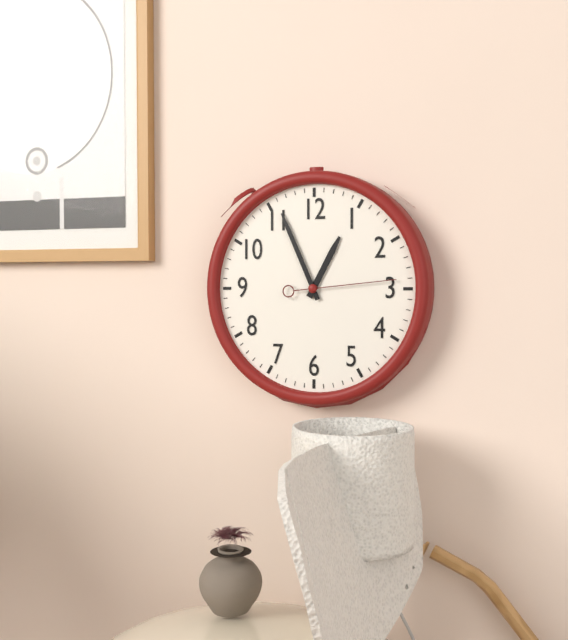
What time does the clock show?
12:56:14
